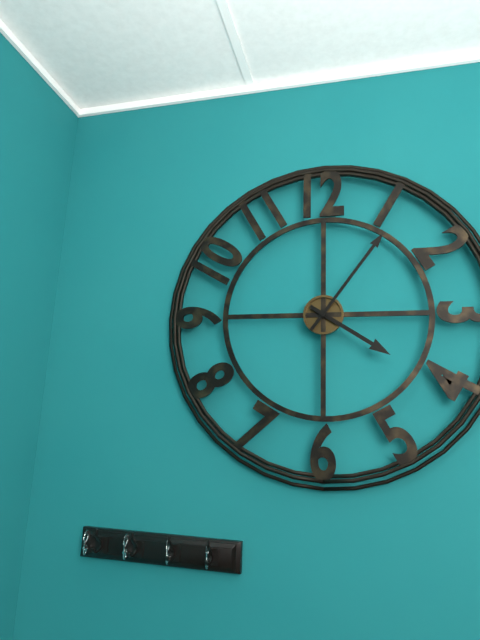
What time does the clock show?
4:06
